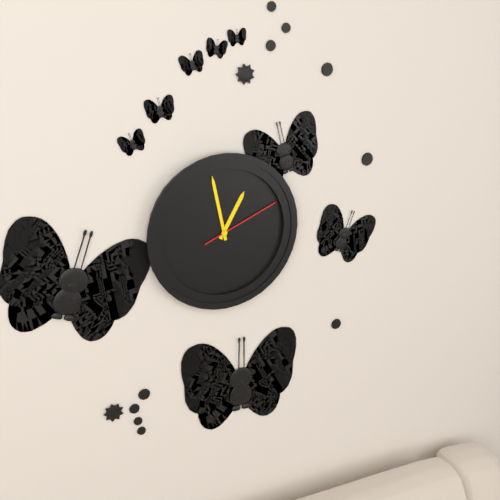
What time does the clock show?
12:58:11
